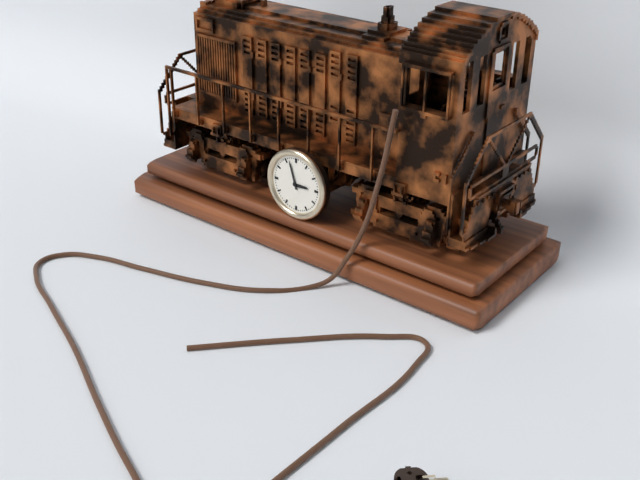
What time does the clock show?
2:57
